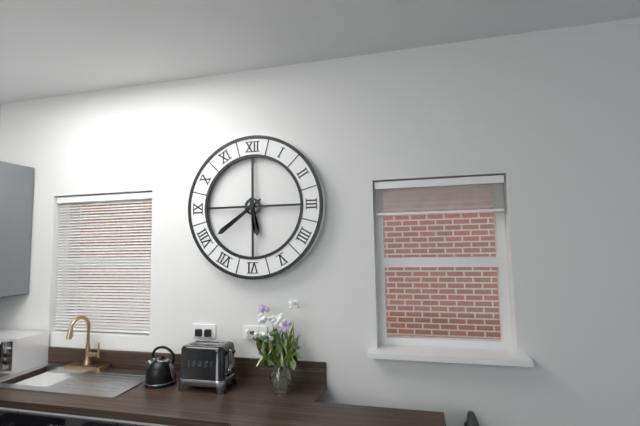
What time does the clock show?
5:39
